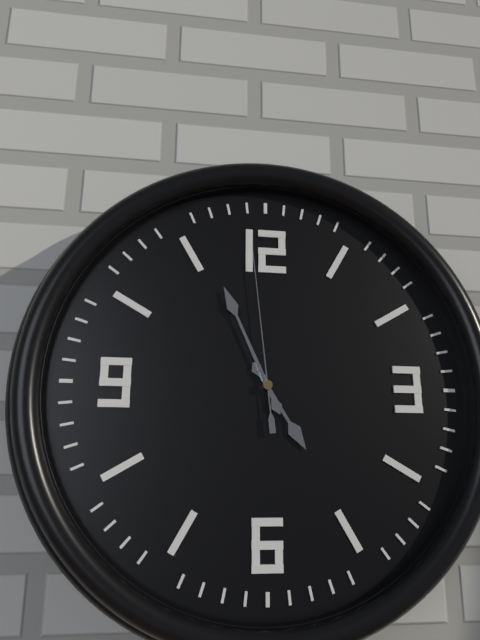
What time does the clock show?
4:56:59
